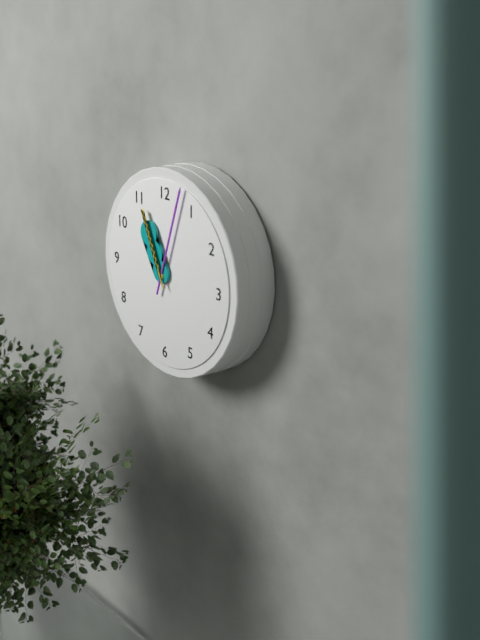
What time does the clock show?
11:03:56
